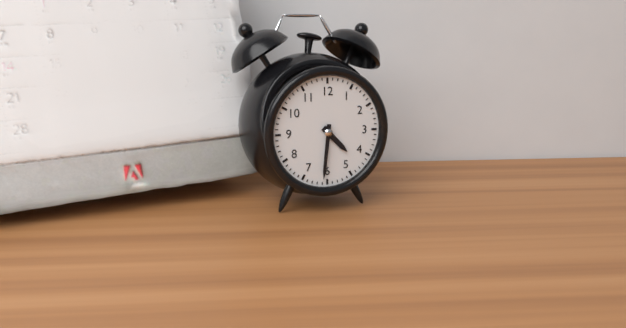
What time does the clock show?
4:31
